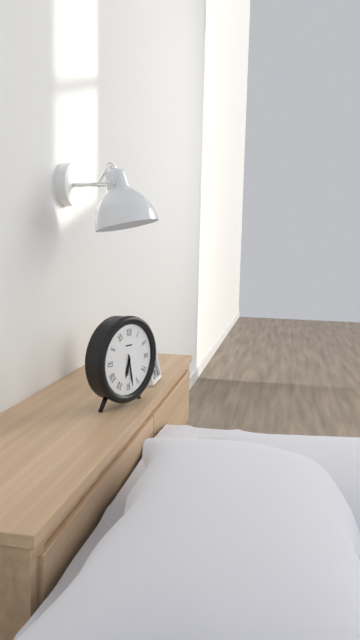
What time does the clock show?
6:28
